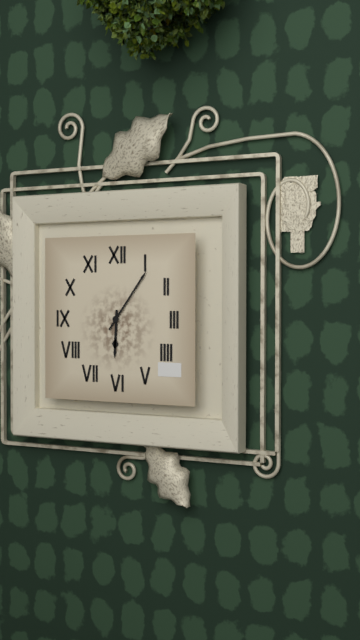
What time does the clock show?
6:06
